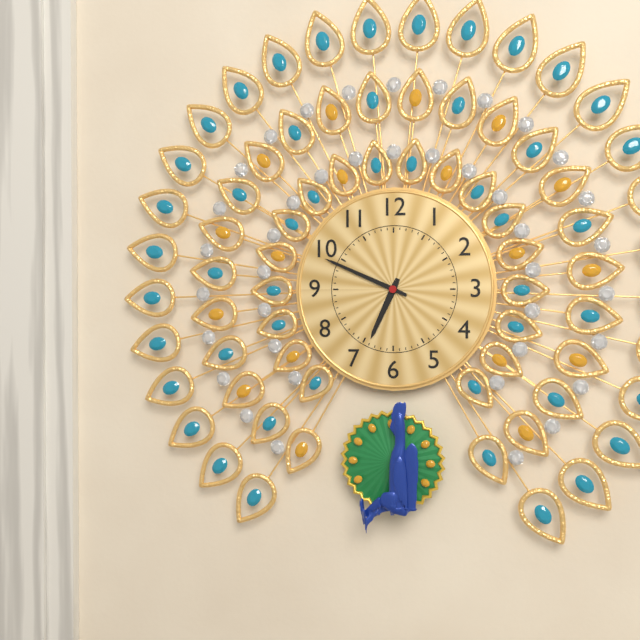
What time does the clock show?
6:49
